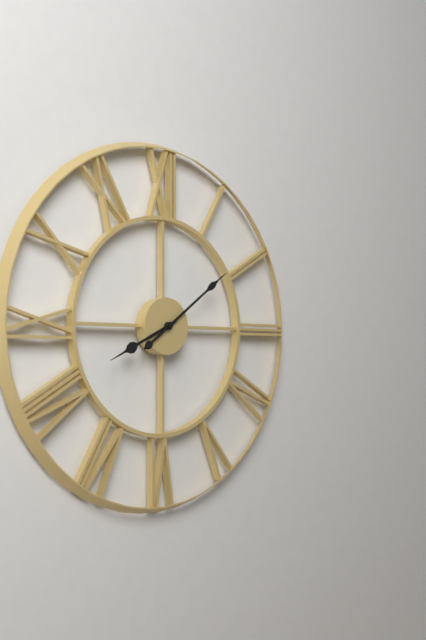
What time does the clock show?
8:09
